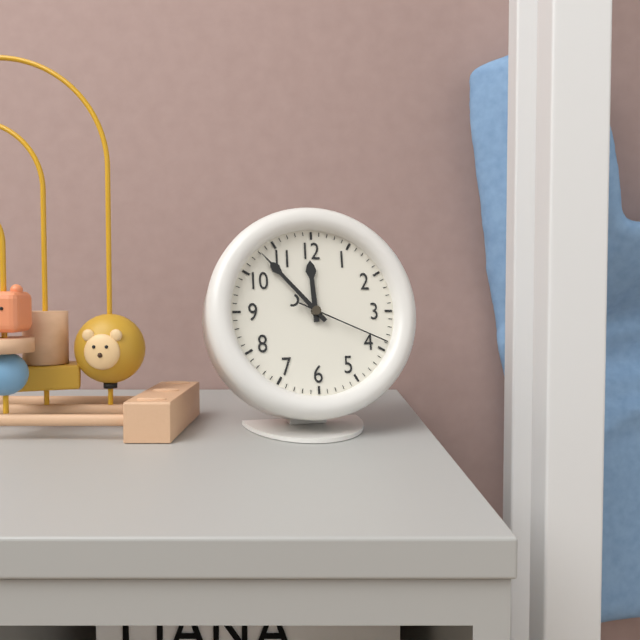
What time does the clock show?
11:53:19
